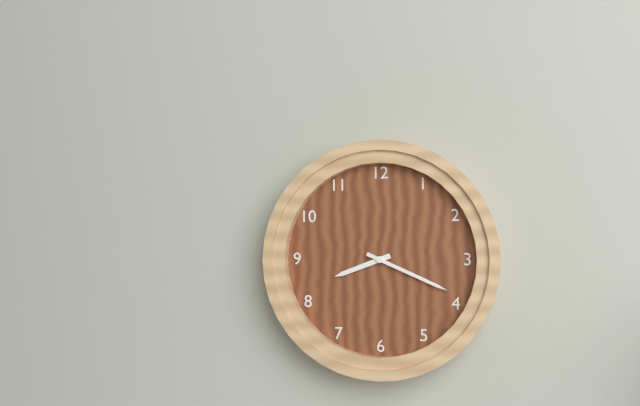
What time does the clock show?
8:19
